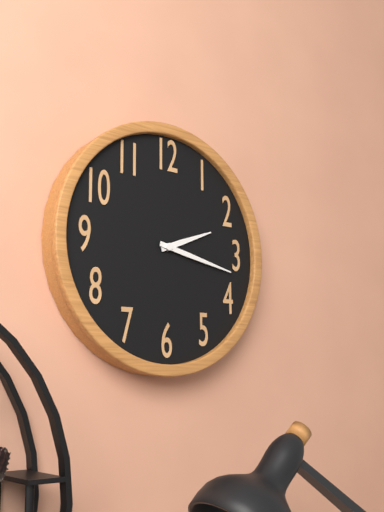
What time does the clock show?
2:17
